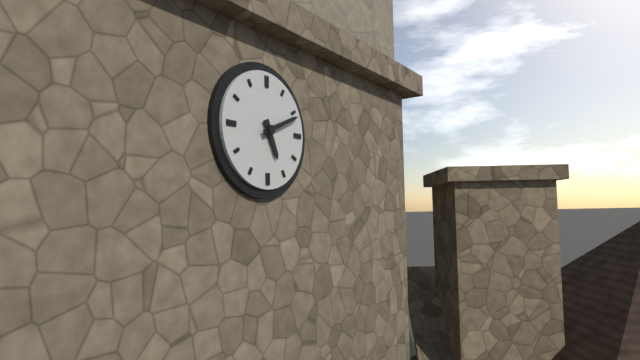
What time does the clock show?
5:11
